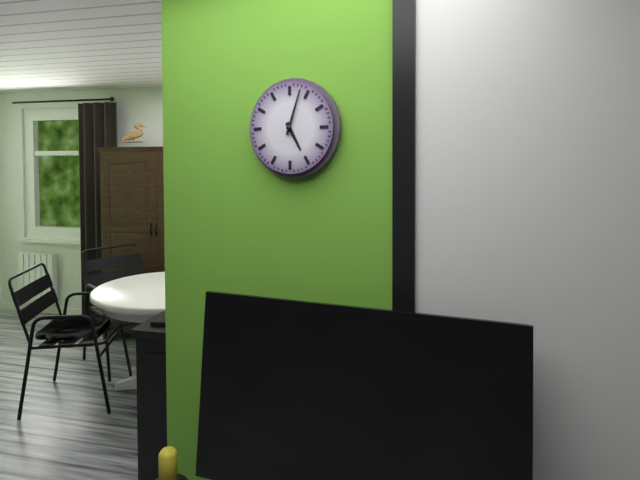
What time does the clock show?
5:03
